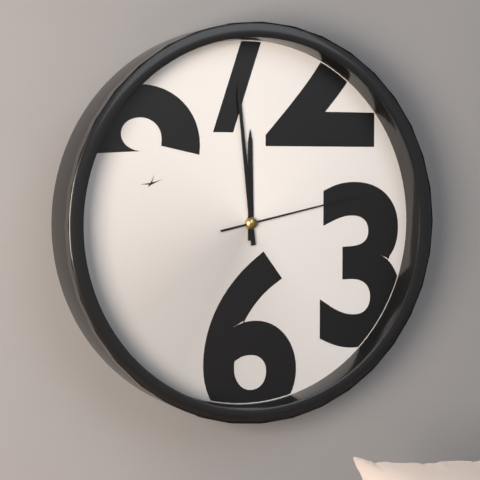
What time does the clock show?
11:59:13
